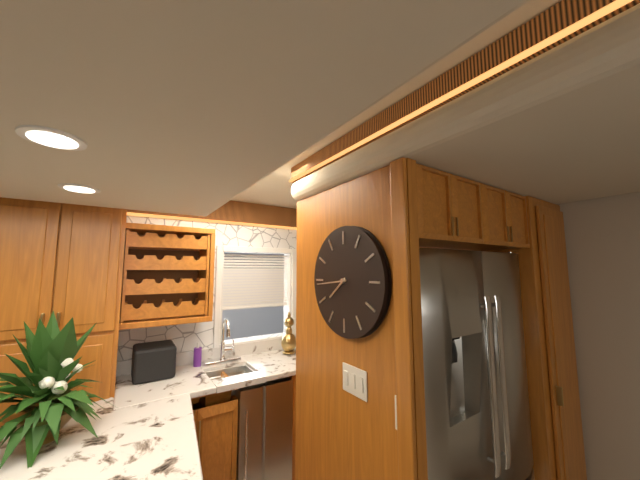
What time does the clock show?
7:44
